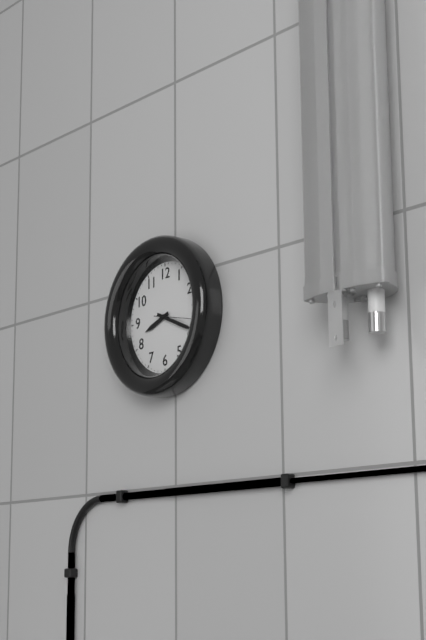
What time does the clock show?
8:19
